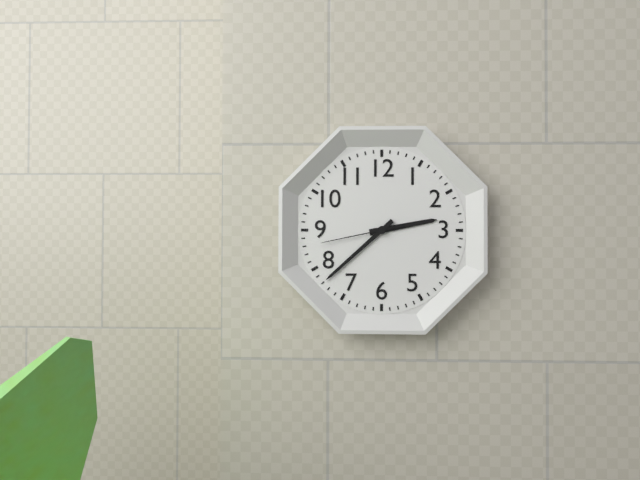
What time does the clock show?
2:38:43
